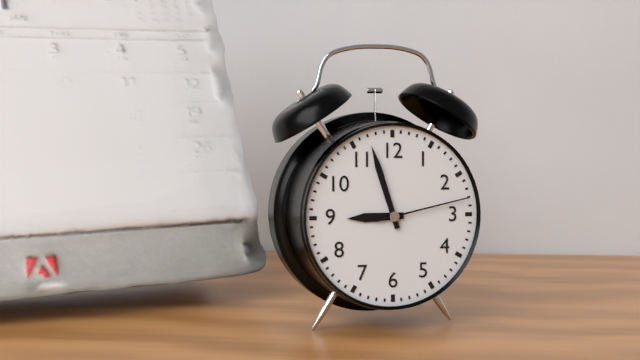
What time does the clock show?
8:57:13
